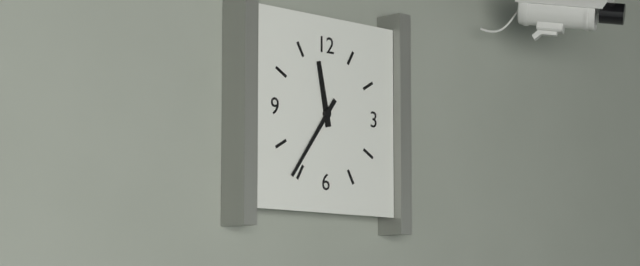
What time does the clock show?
11:36
